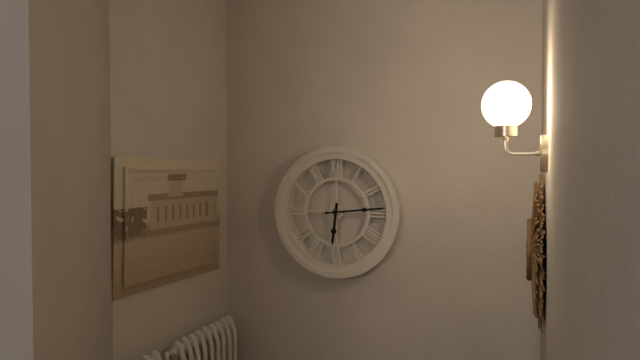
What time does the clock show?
6:14
